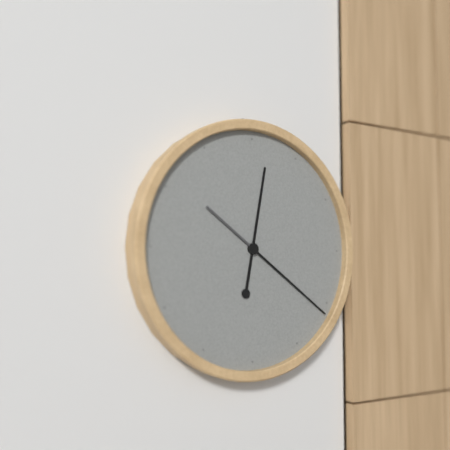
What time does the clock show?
12:21
